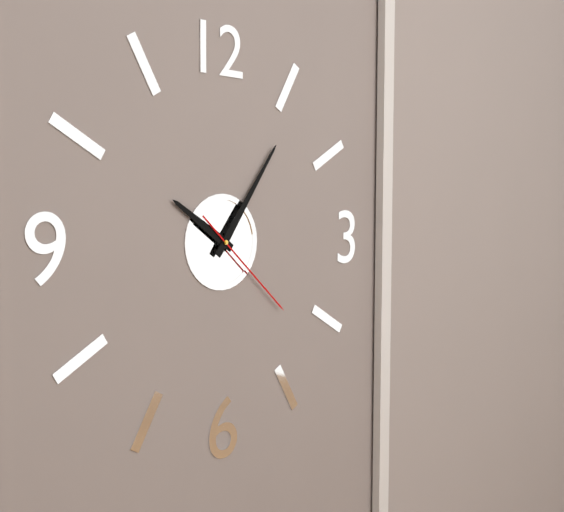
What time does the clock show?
10:06:22
